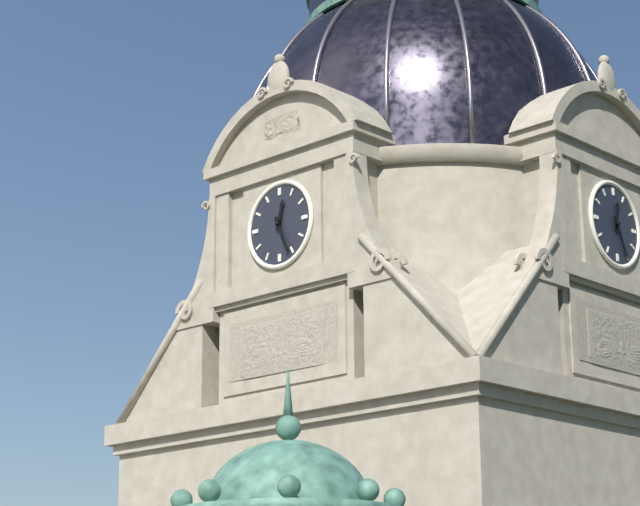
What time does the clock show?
12:26
